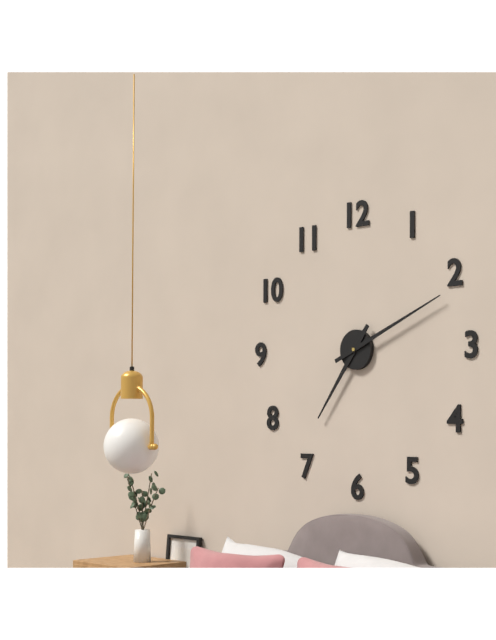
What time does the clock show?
7:11
